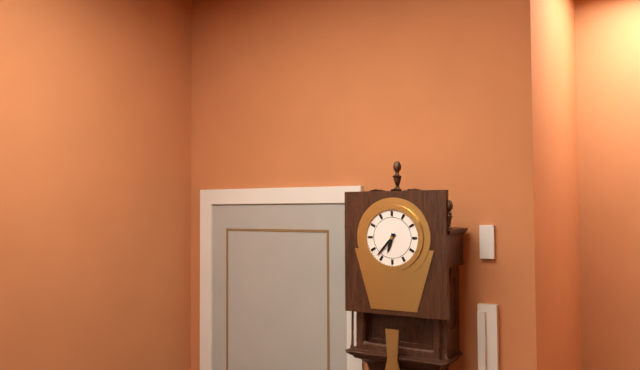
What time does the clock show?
6:37
